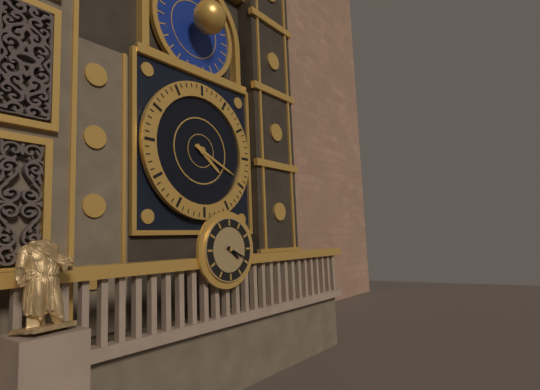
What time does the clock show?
4:19
